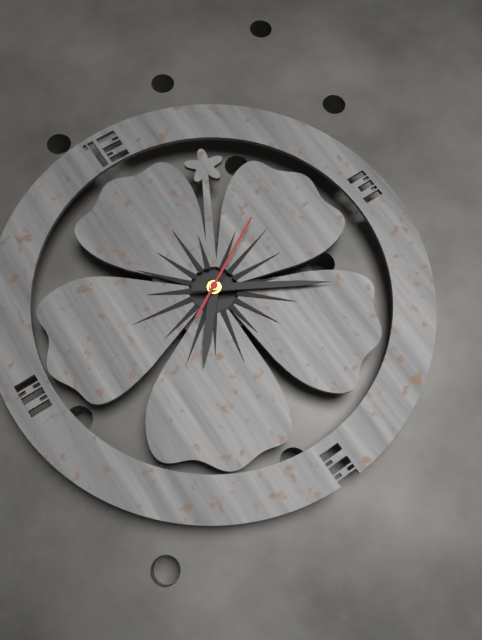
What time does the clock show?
7:20:10
